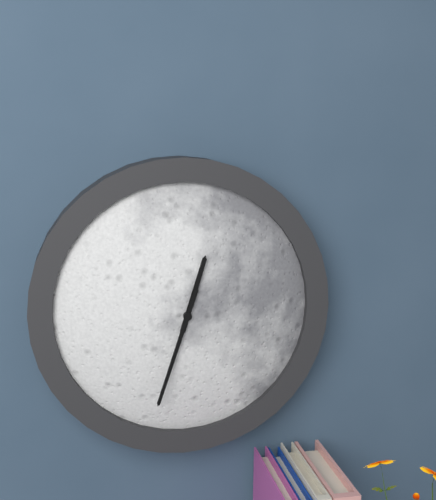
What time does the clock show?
12:33
